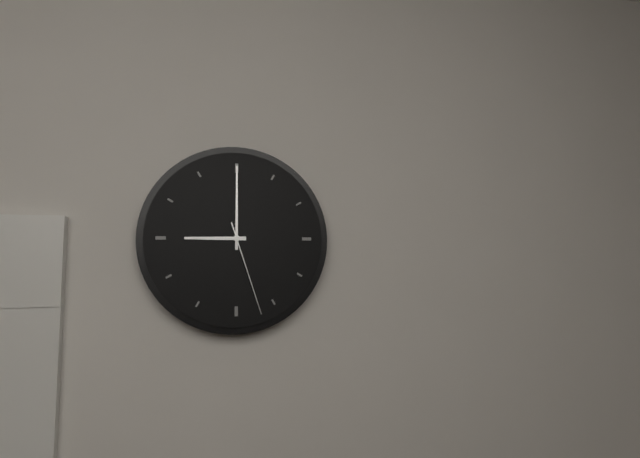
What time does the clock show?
9:00:27
